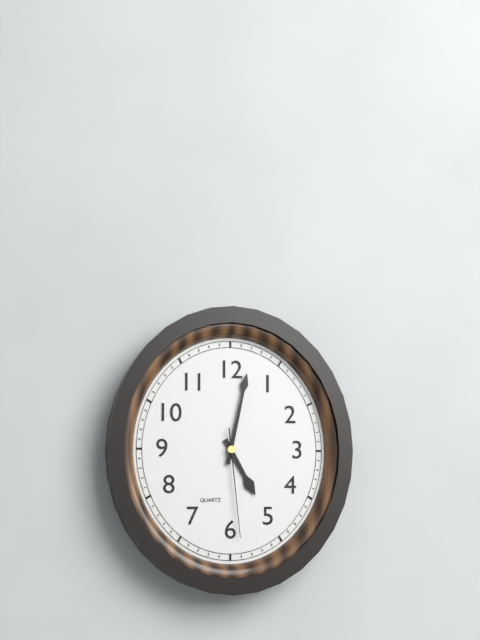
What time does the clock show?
5:02:29
